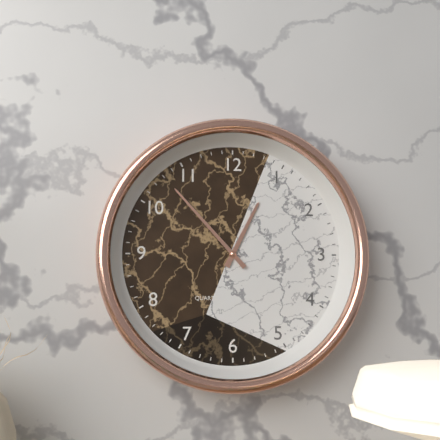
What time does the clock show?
12:53
